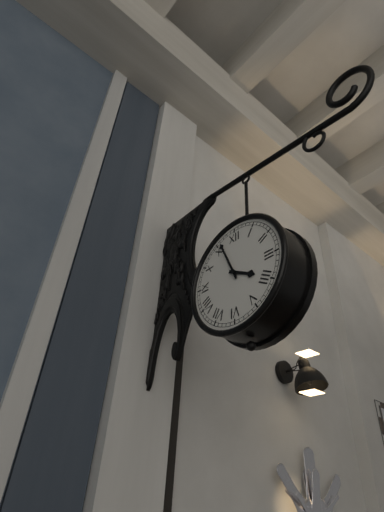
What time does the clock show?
3:56
